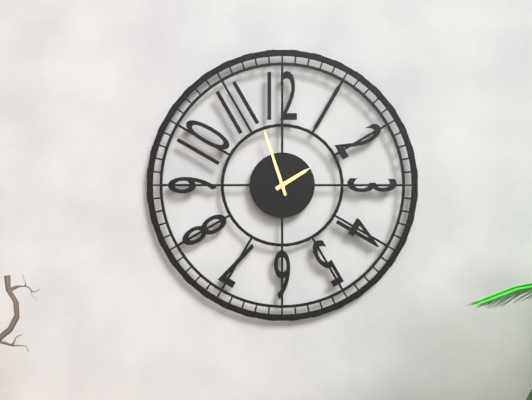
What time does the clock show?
1:57
